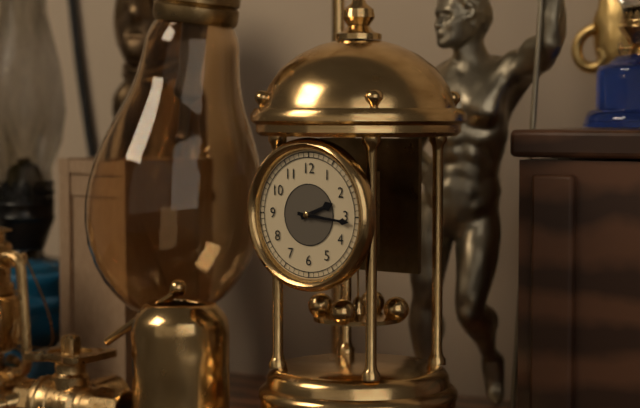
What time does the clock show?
2:16
